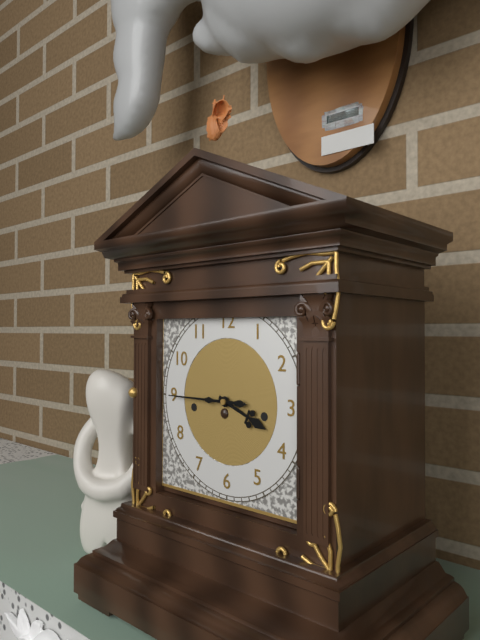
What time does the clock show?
3:45
